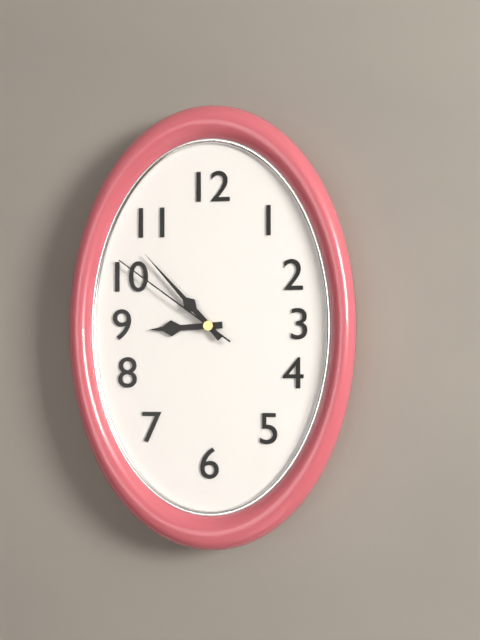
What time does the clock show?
8:53:51
